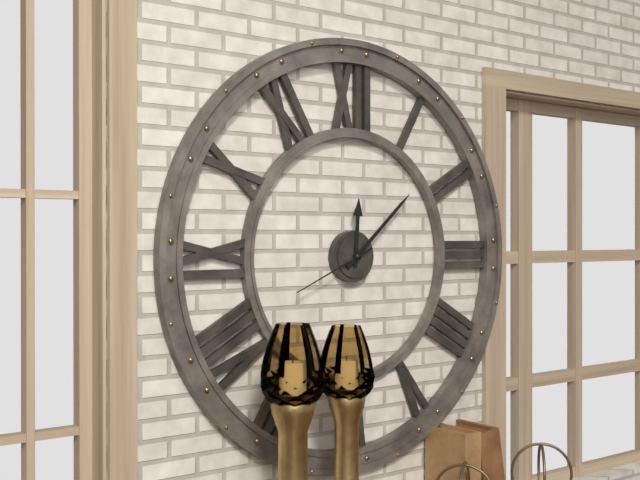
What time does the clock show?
12:08:41
